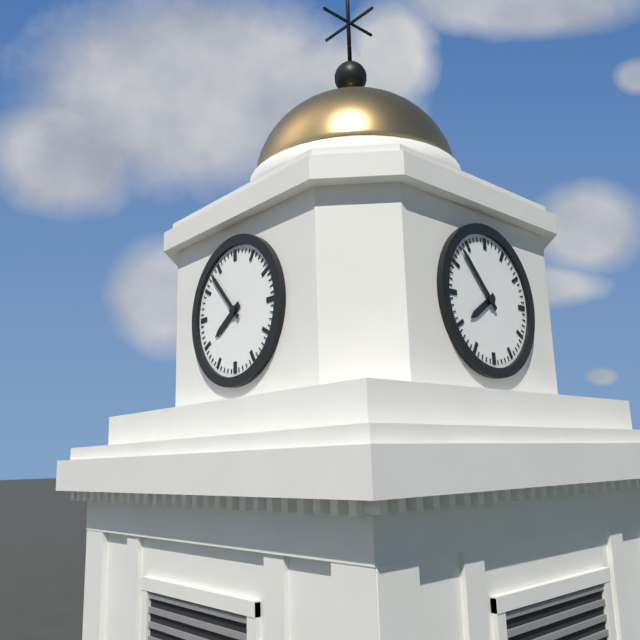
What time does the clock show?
7:53
